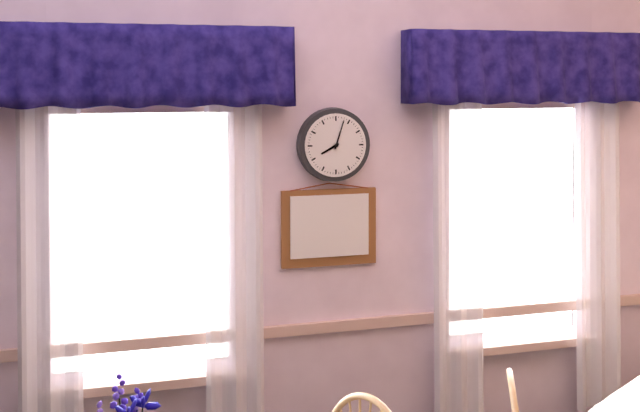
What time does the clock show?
8:03
